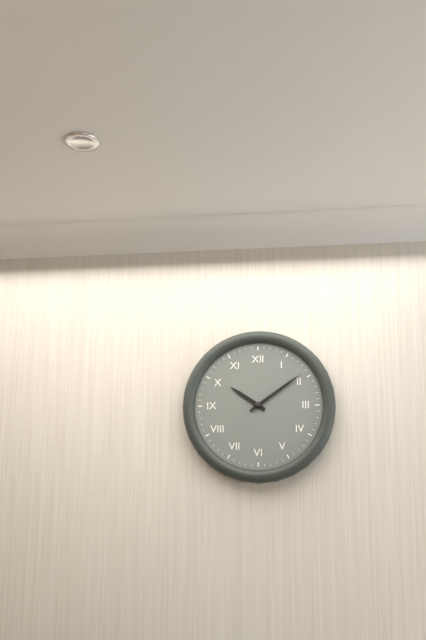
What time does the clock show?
10:09
